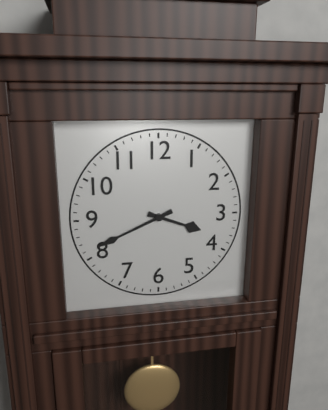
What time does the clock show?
3:41
